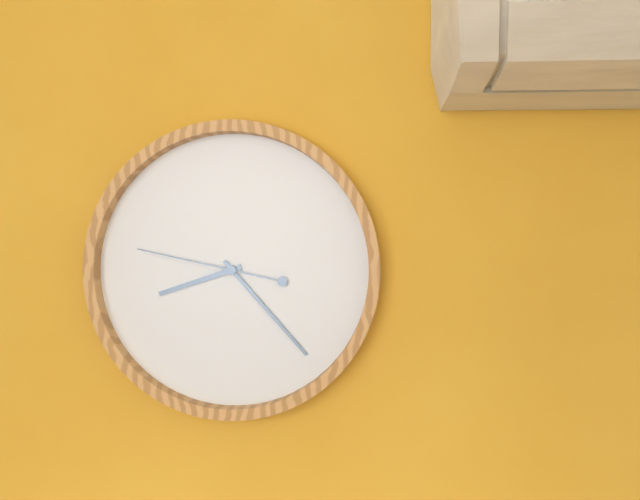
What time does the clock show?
8:23:47
